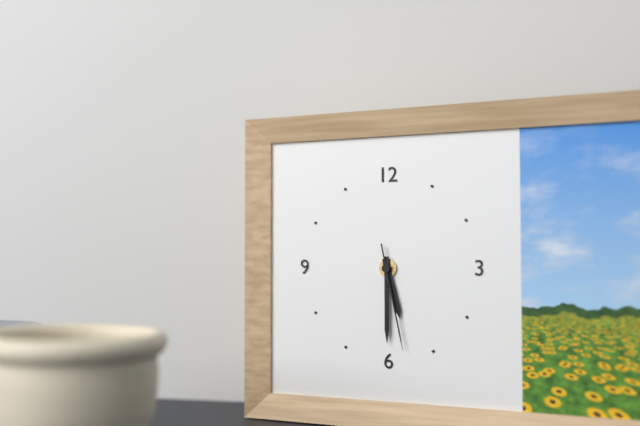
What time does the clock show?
5:30:28
